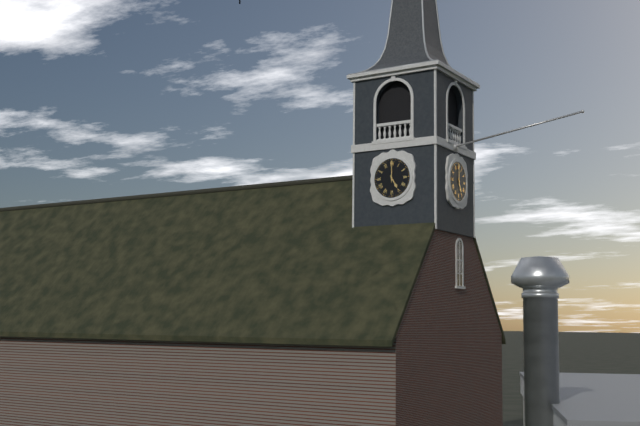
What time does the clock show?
5:00
